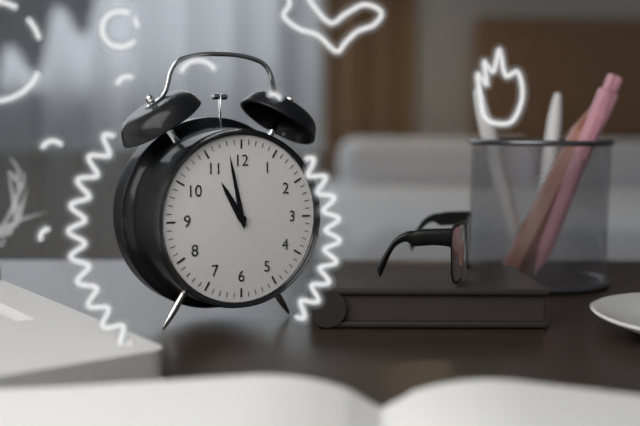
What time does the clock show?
10:58
